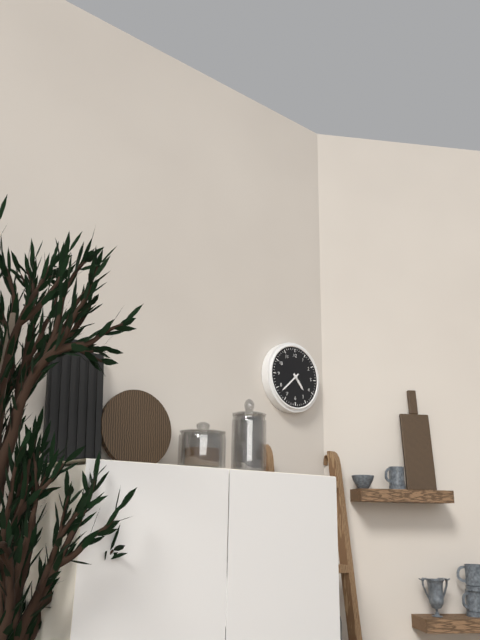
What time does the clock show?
4:38
